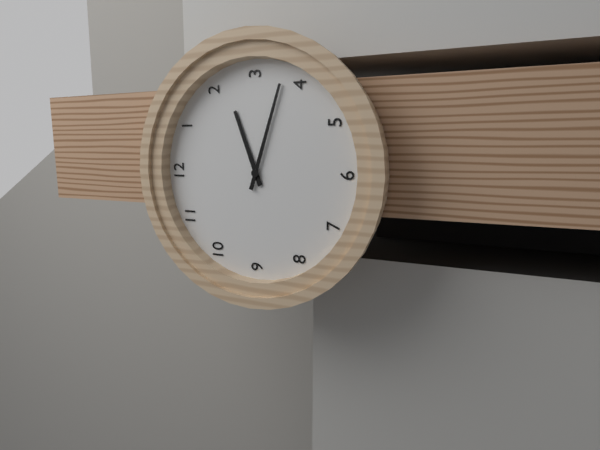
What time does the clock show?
2:18
